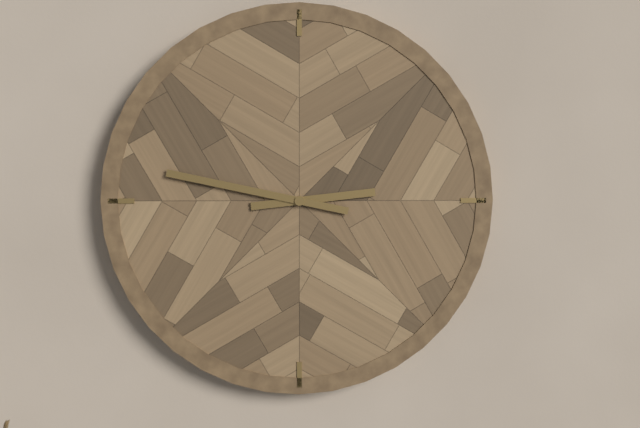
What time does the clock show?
2:47
